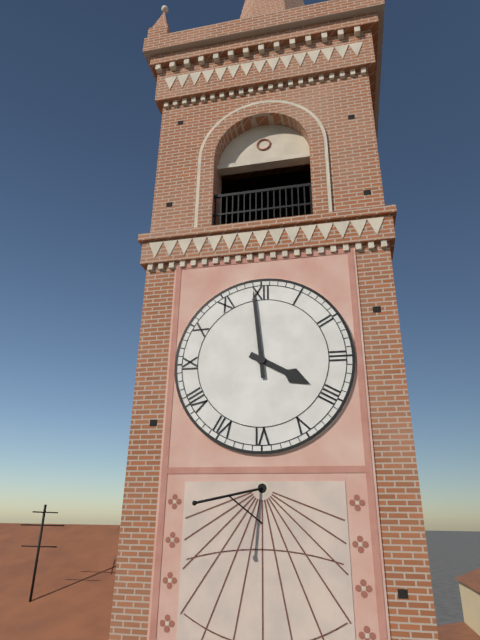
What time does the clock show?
3:59
